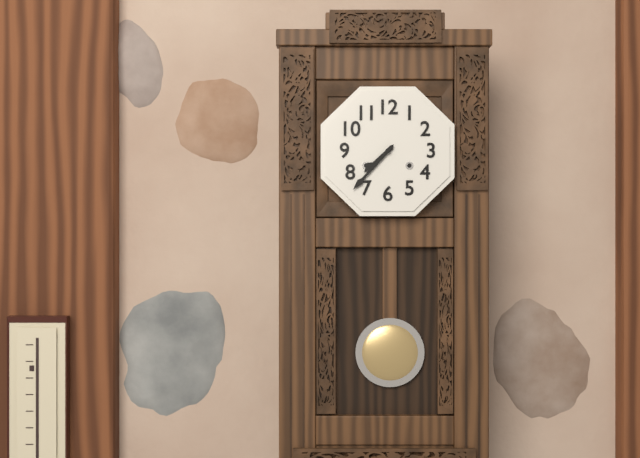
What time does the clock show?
7:37
